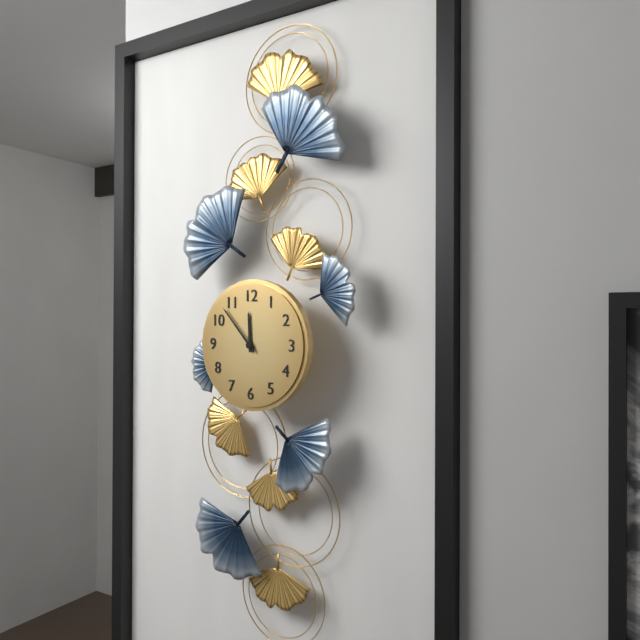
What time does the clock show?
11:53
